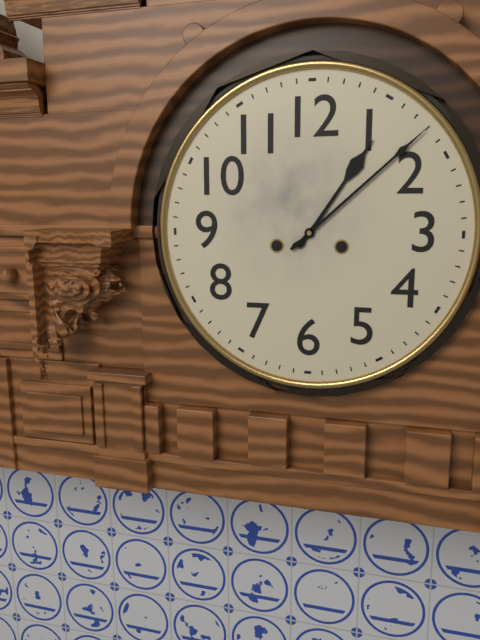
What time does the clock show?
1:08
